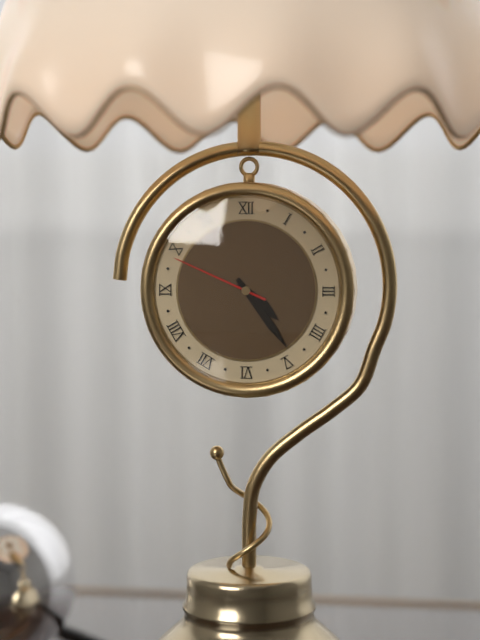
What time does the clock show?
4:24:49
